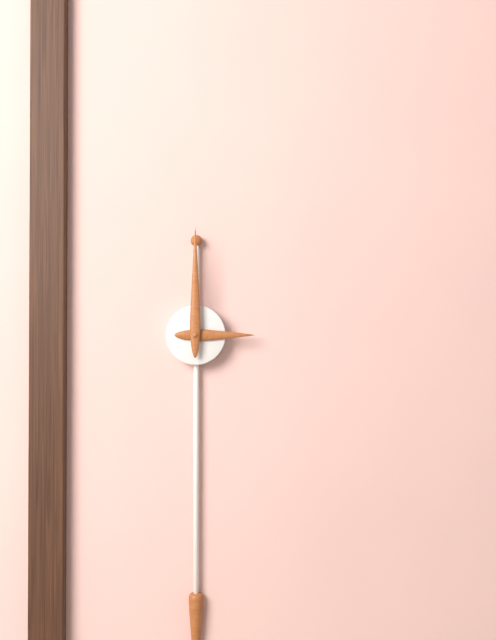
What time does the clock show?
3:00
